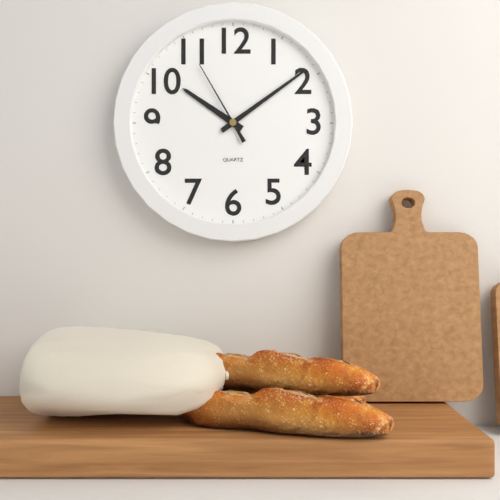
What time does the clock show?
10:09:55
